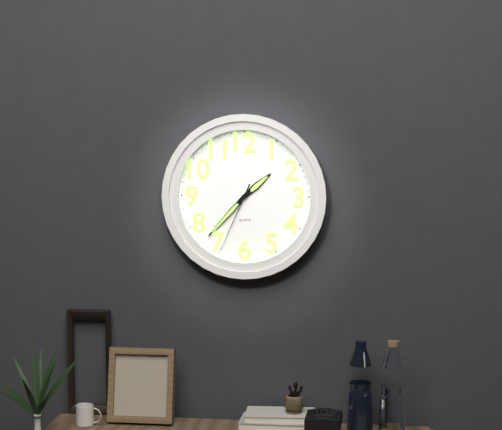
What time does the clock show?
1:37:34
